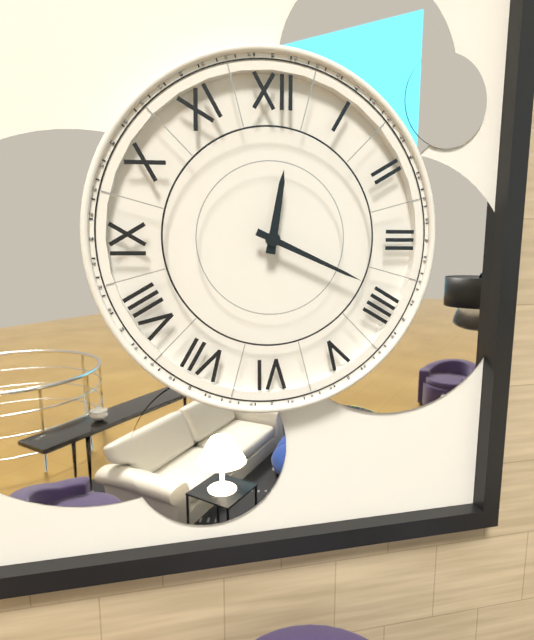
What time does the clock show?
12:19
